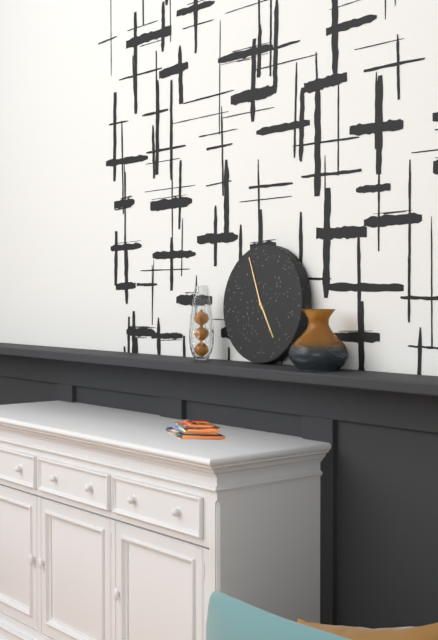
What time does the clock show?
4:56
